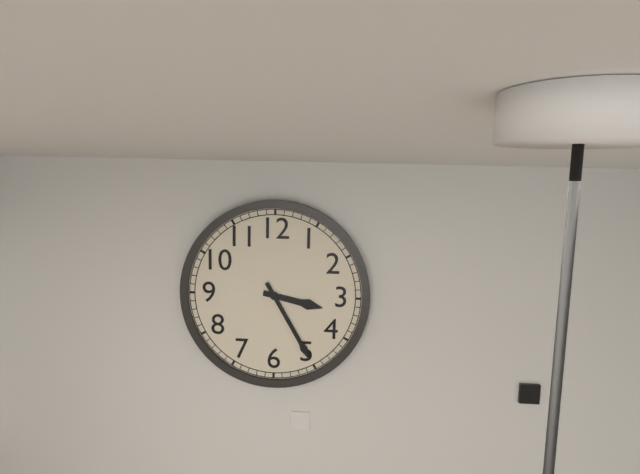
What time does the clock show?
3:25
